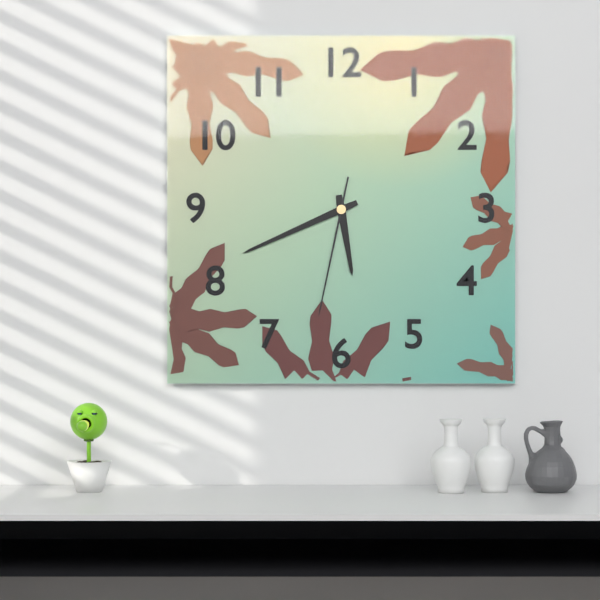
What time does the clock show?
5:41:32
